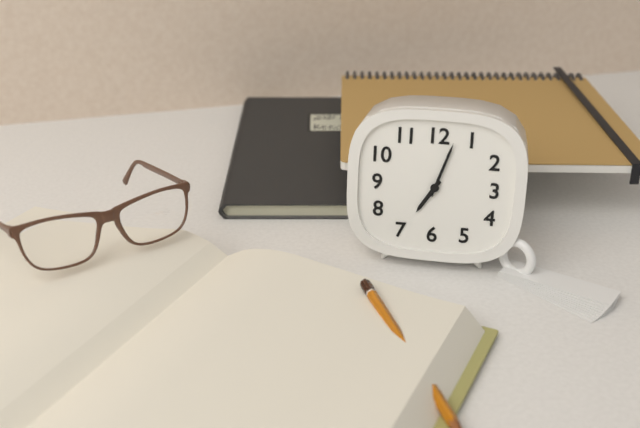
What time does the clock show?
7:03
